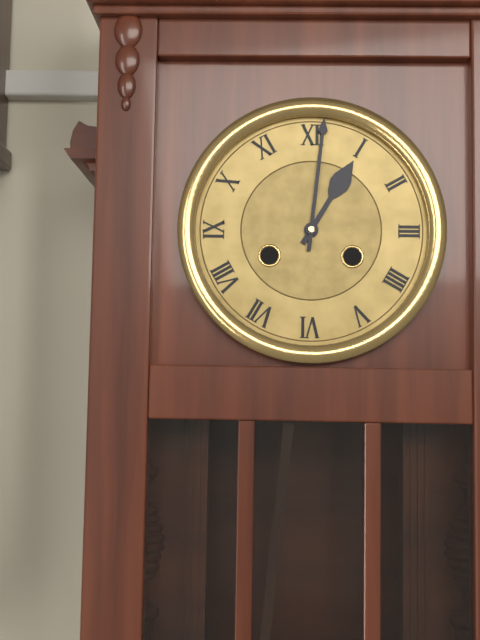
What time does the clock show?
1:01
